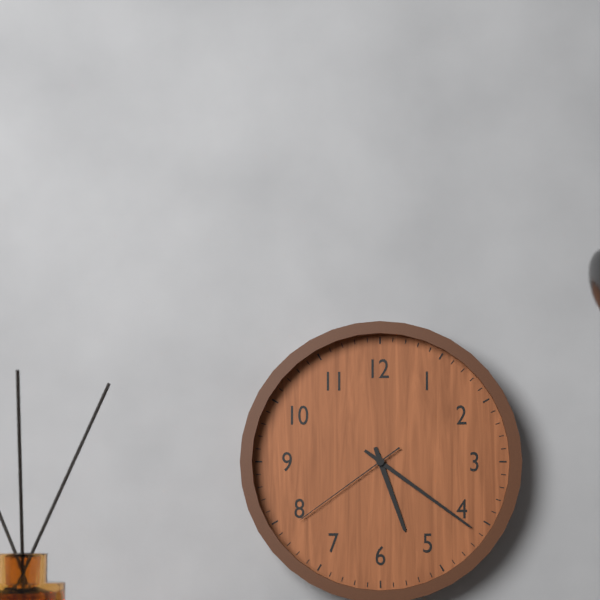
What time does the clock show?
5:21:39
